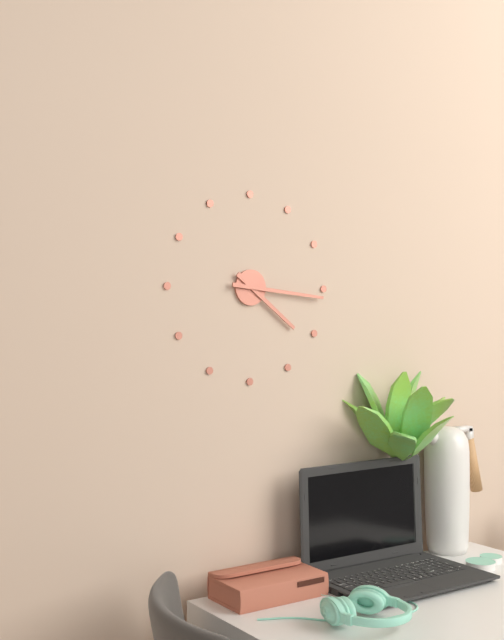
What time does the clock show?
4:16
